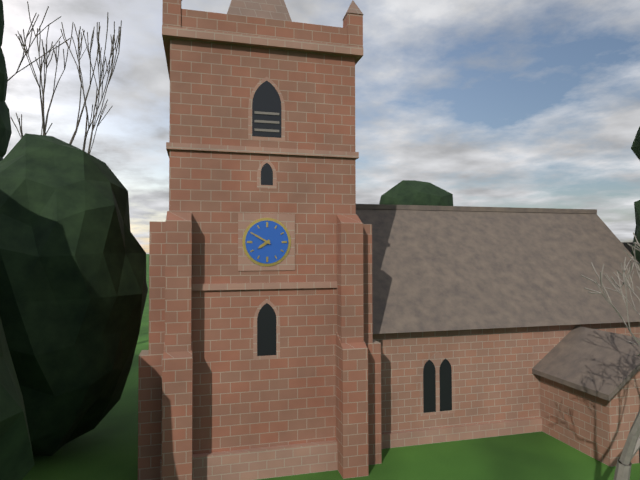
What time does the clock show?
7:50
